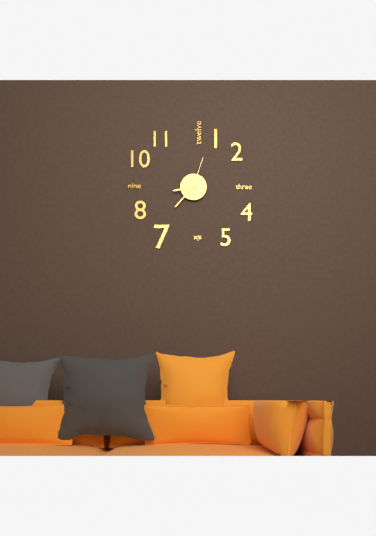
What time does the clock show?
8:37
